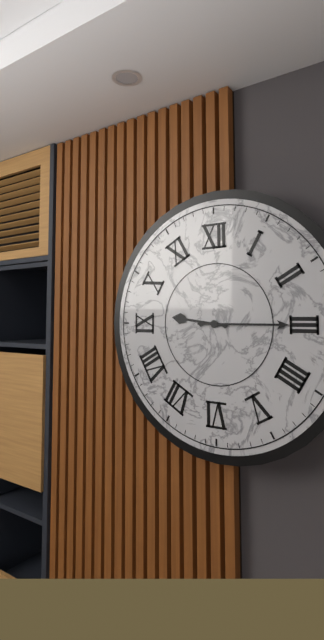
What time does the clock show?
9:15
